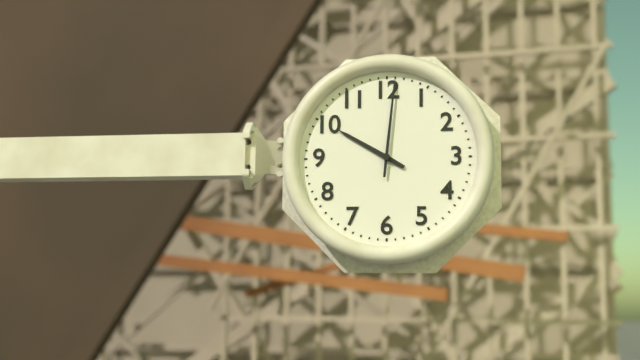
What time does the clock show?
10:01
